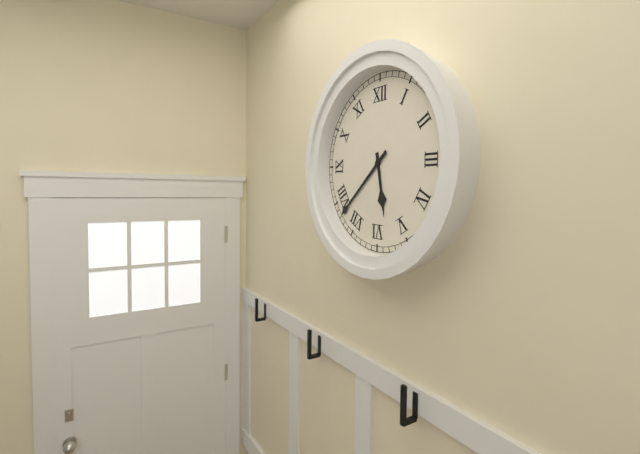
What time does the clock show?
5:38
